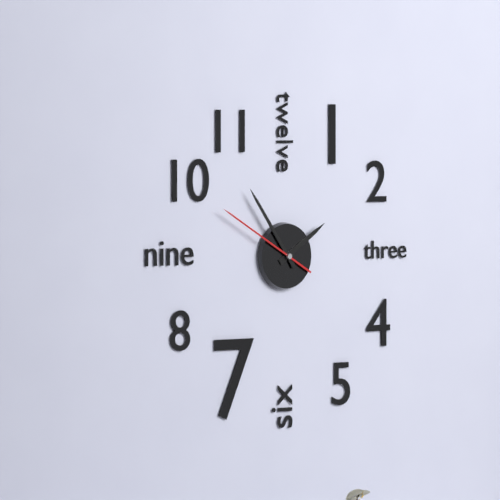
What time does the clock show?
1:54:50
